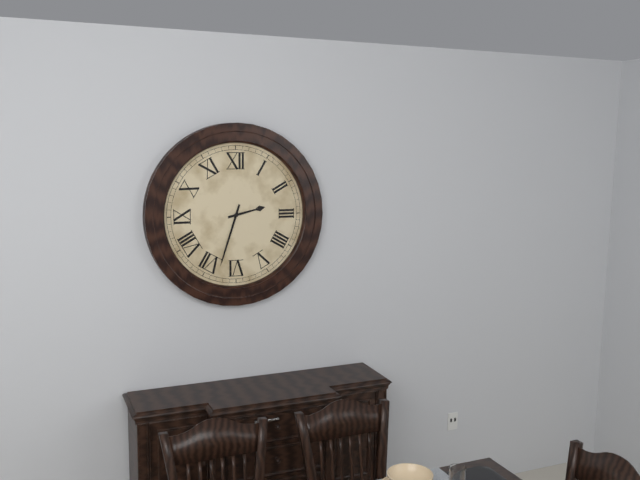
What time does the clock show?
2:33
